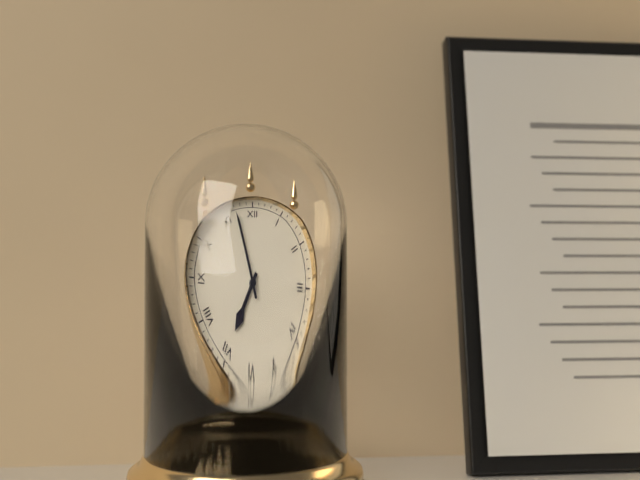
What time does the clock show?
6:57
